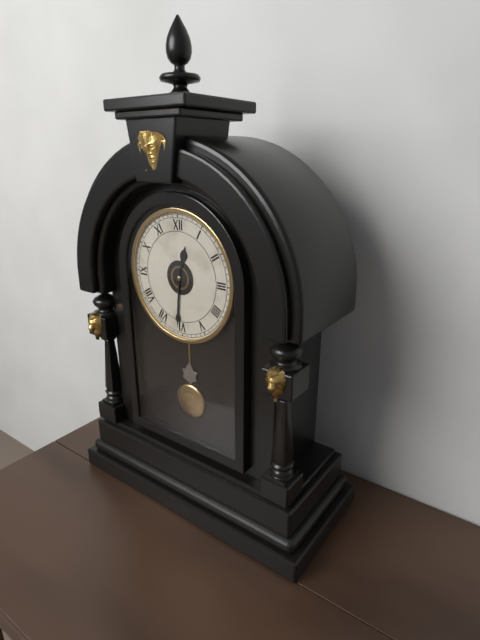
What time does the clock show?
12:31
